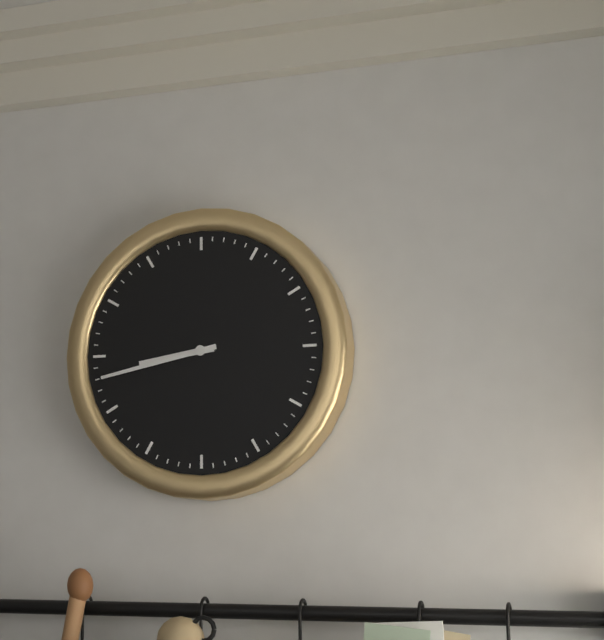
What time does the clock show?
8:43
